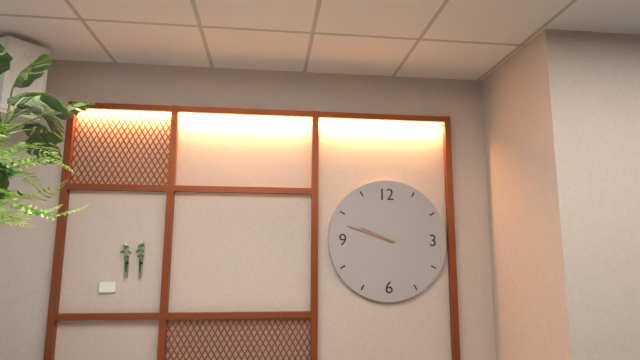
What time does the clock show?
9:48
